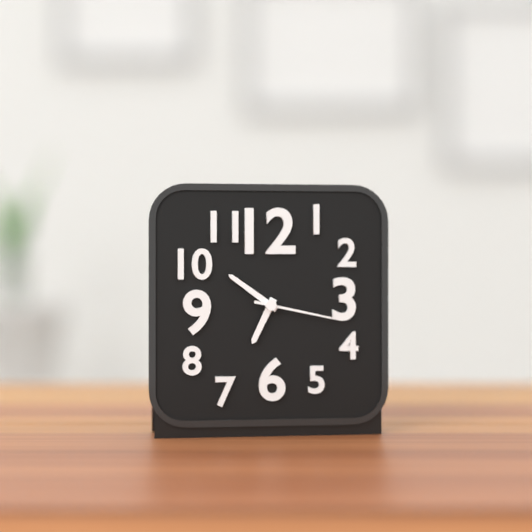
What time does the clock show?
6:51:17
